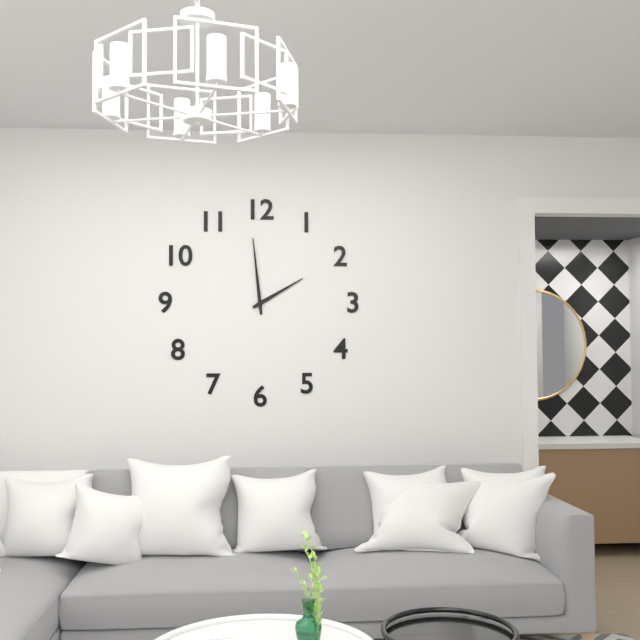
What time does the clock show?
1:59
